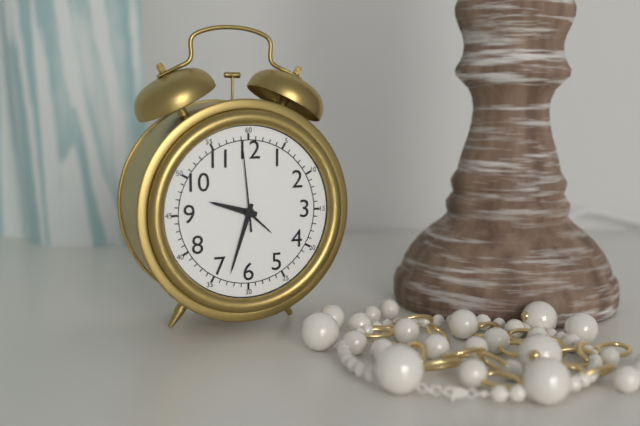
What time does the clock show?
9:33:59
